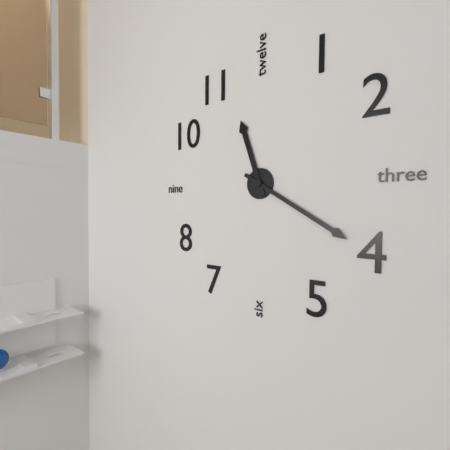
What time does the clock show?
11:20
